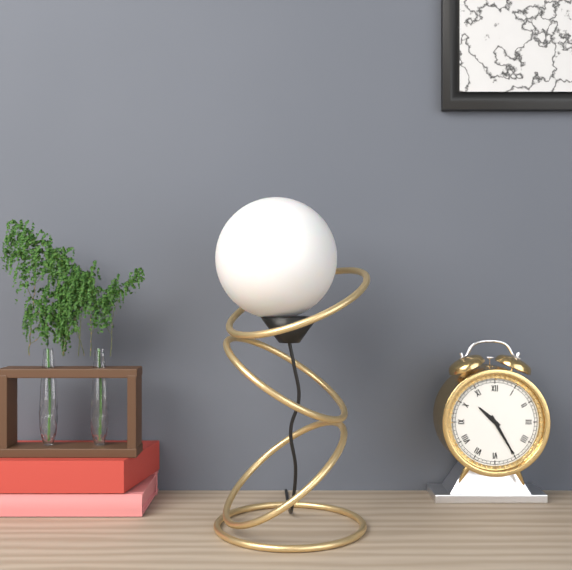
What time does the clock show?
10:25
